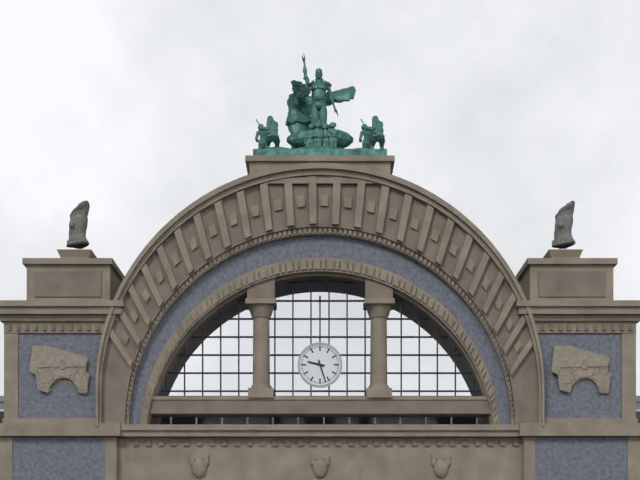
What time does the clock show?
9:27
